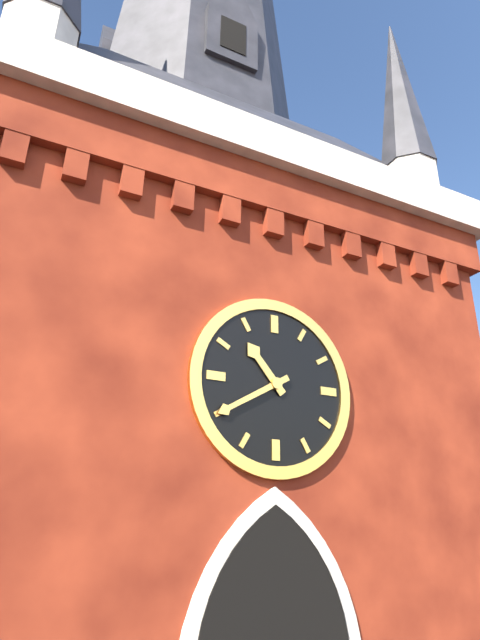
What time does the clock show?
10:40
